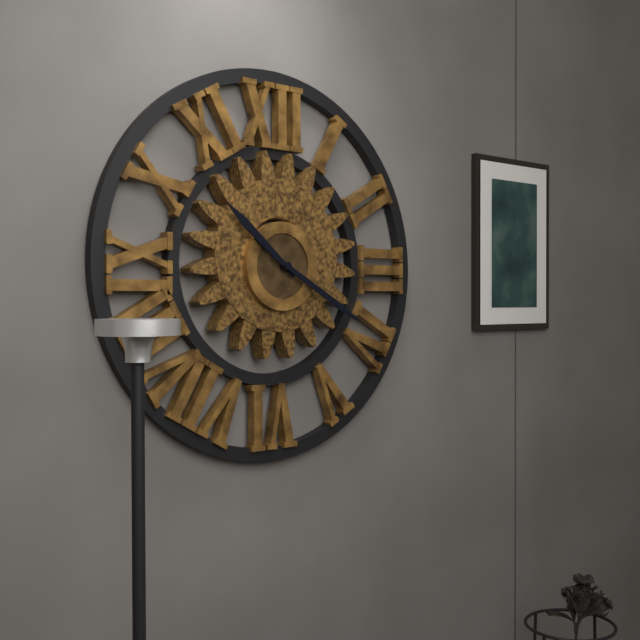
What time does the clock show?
10:20
